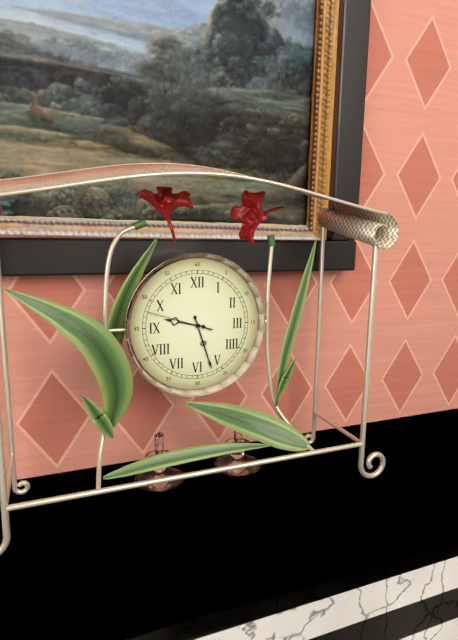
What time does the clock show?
9:27:48
